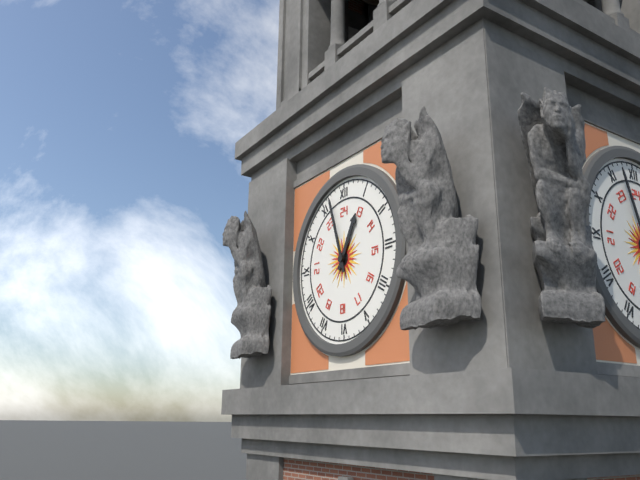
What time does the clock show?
12:57
